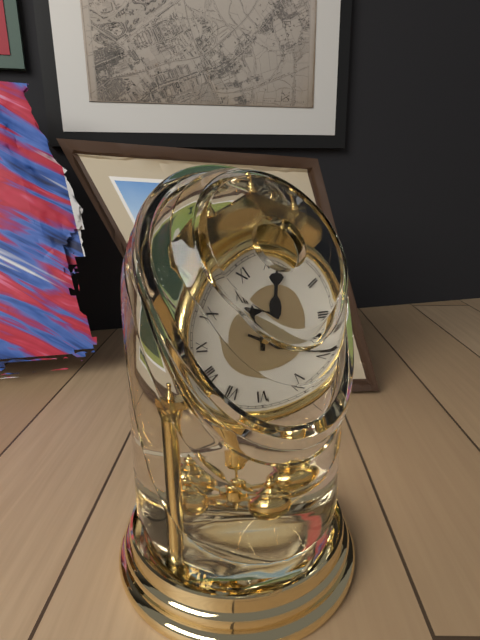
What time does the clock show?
12:19
